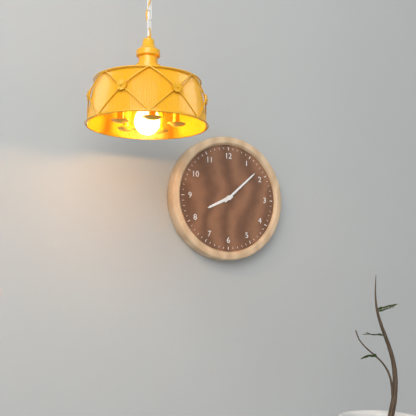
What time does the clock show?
8:08
